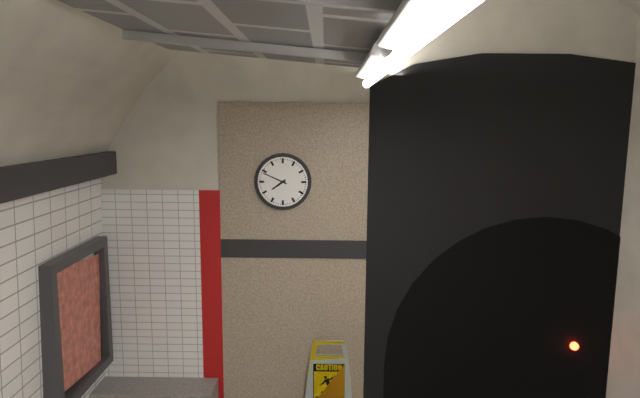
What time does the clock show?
7:49
